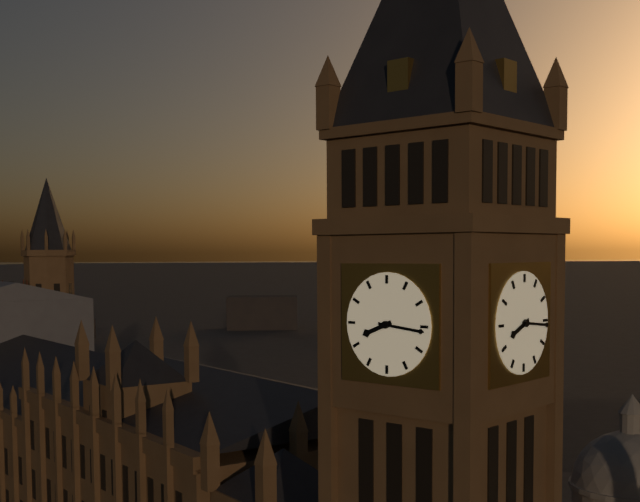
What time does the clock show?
8:16
